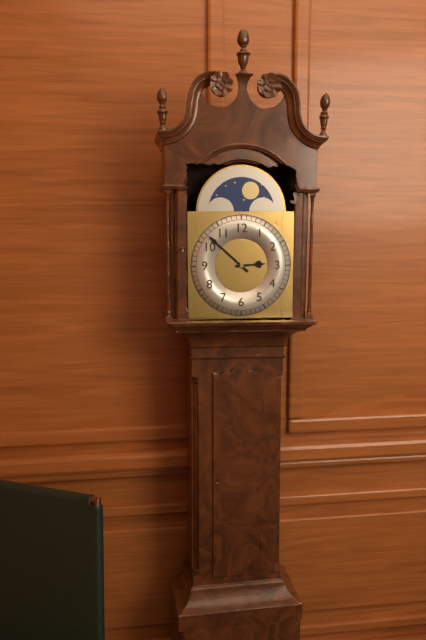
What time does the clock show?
2:52
